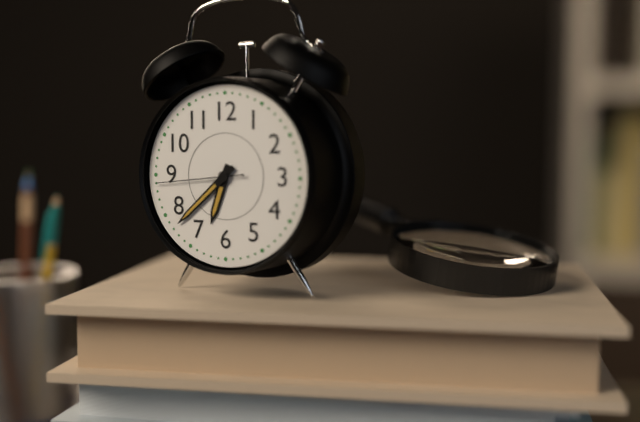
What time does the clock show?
6:38:44
